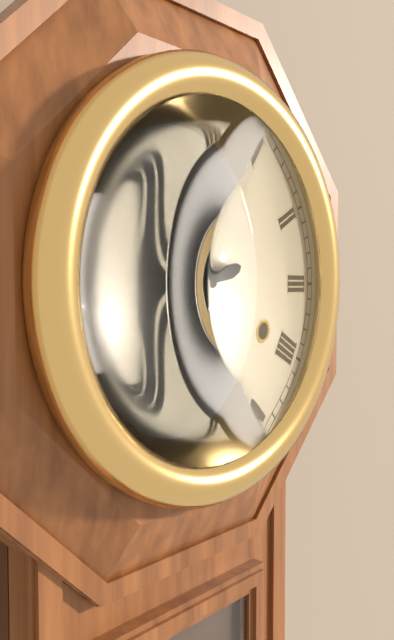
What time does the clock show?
11:41
